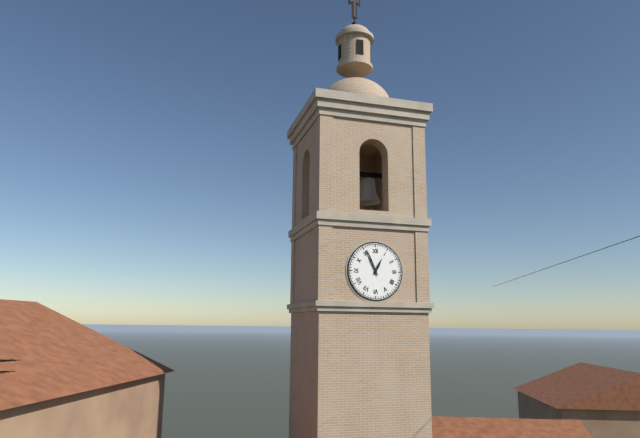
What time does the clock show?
12:56
